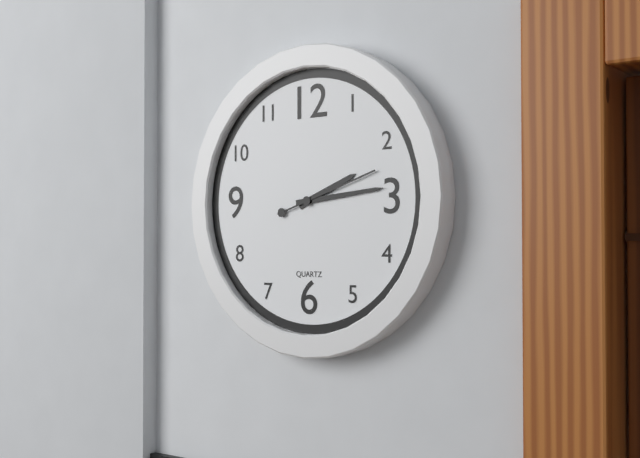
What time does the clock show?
2:14:12
